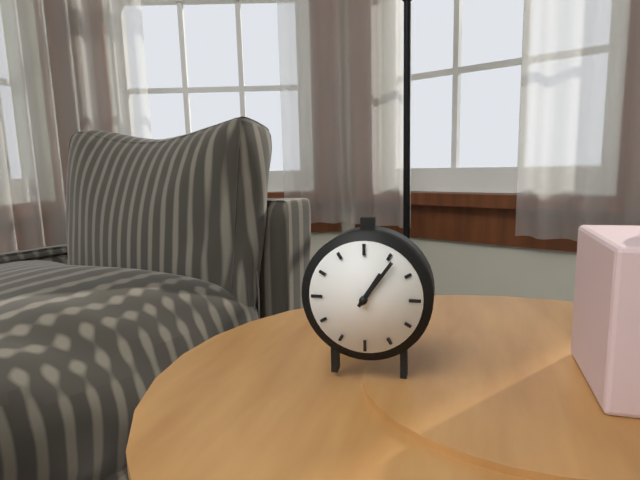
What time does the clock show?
1:06
